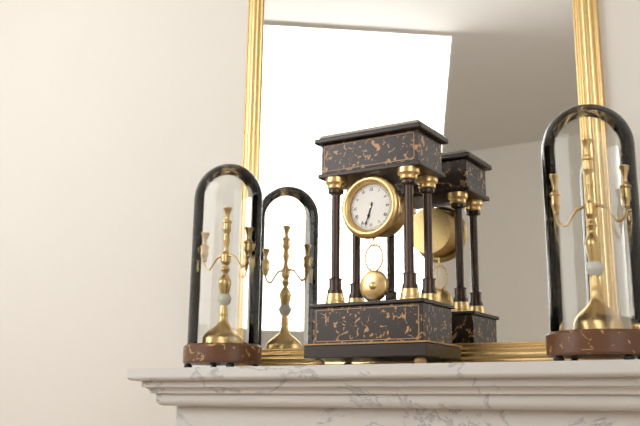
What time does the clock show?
6:33
